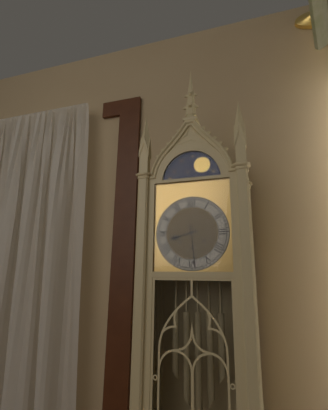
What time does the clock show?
8:29
